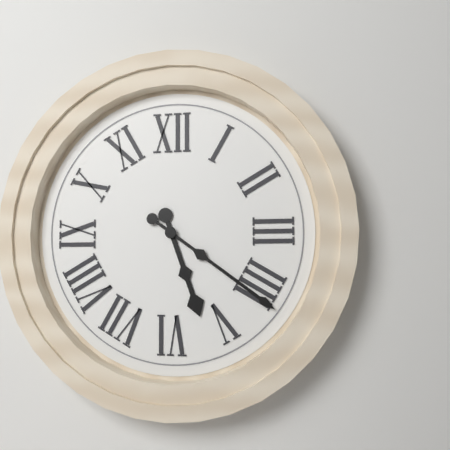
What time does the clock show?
5:21
